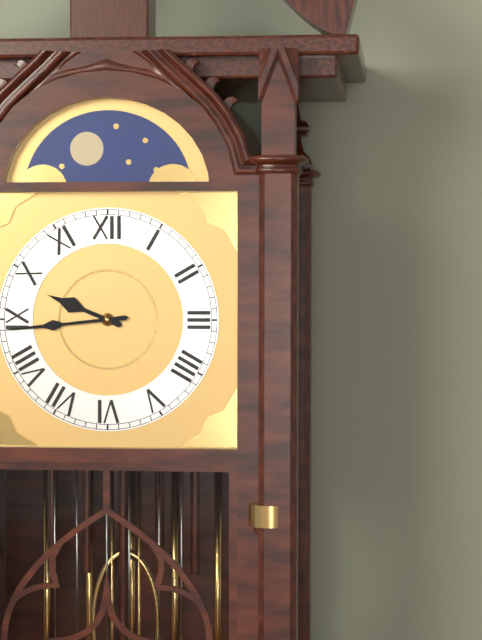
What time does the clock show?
9:44
